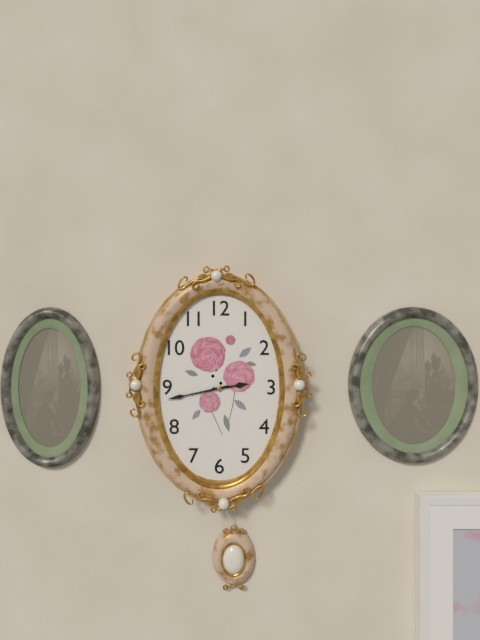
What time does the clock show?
2:43
